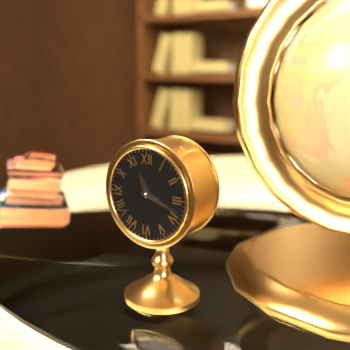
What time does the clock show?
11:18
